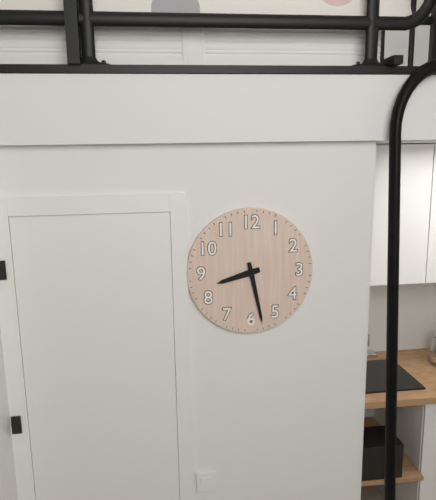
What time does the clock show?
8:28
